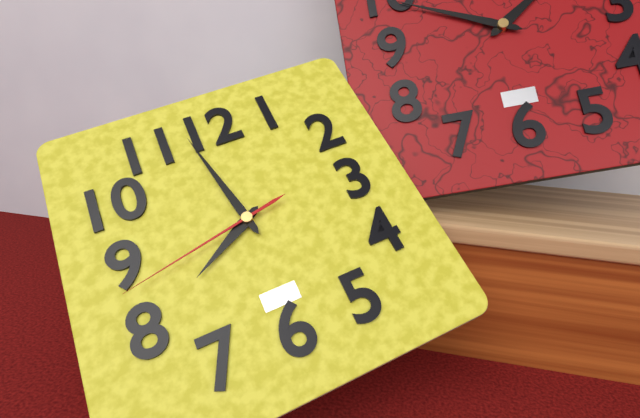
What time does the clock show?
7:58:43
